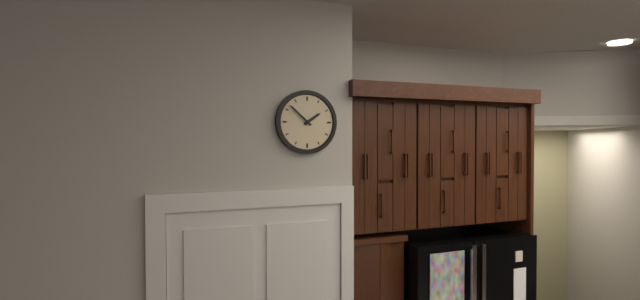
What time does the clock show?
1:52
